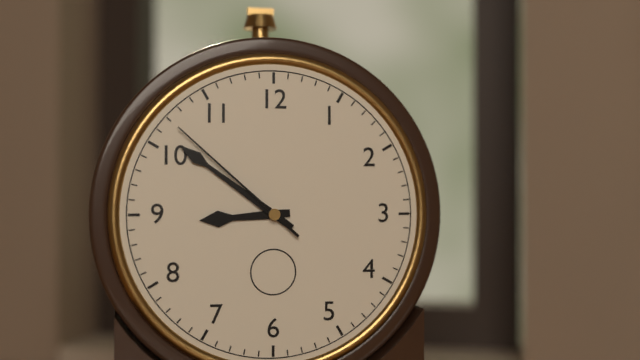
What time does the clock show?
8:51:52
